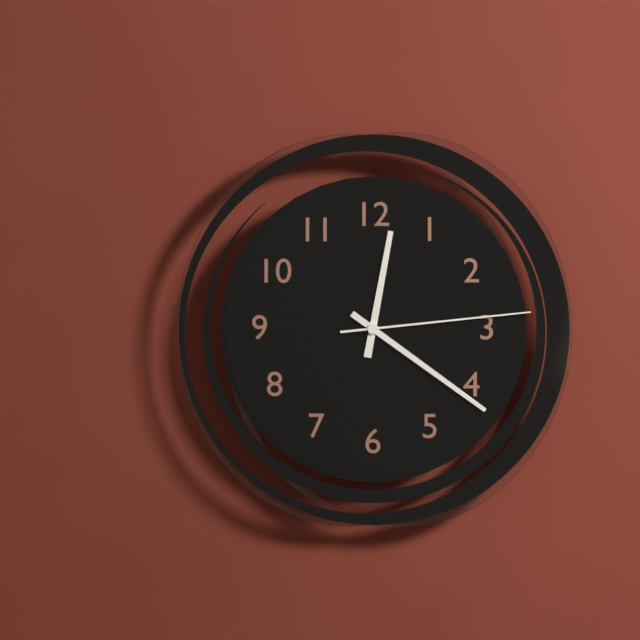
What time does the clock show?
12:21:14
